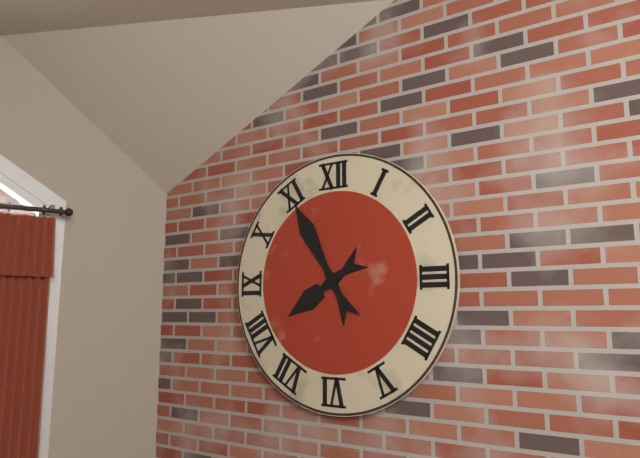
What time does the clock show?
7:55
